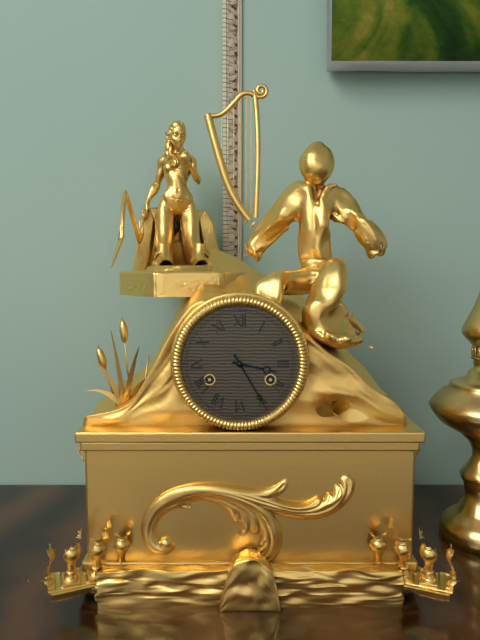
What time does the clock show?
3:25
